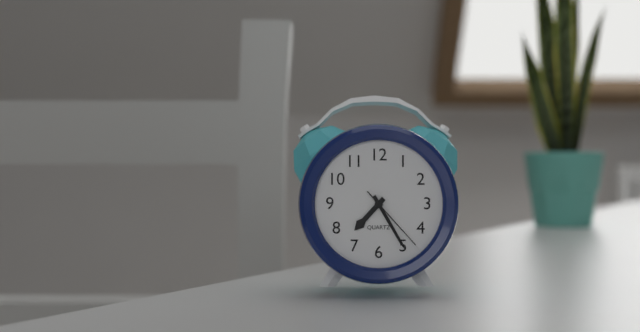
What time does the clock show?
7:25:23
